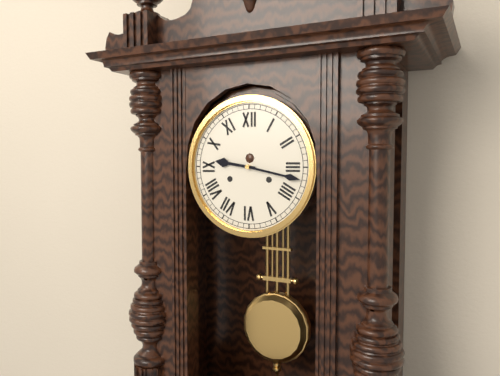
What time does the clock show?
9:17
